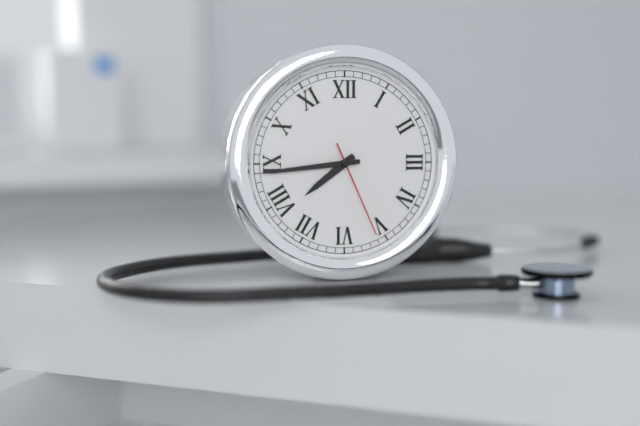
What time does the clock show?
7:44:26
